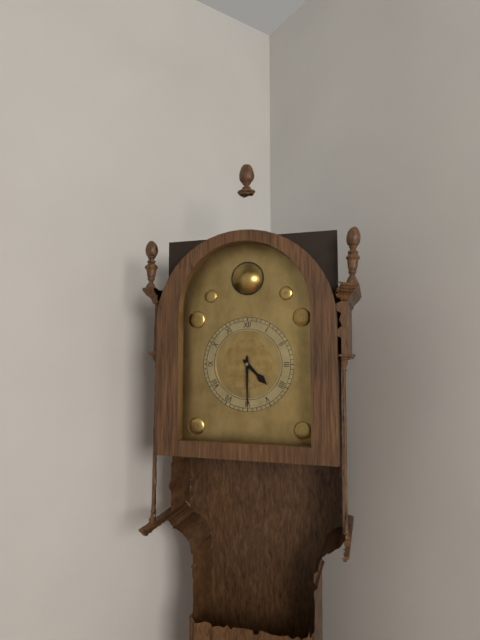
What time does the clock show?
4:30
